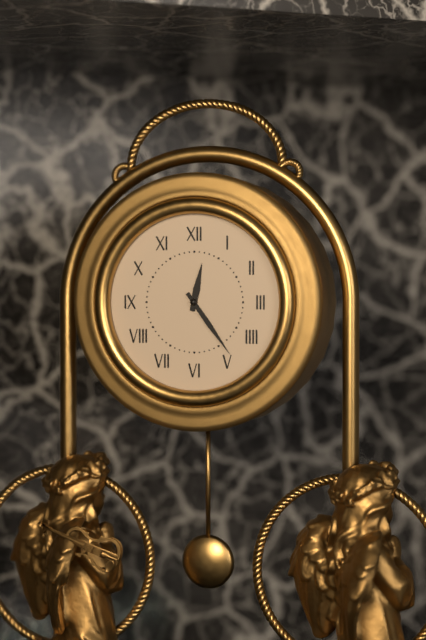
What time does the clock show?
12:24
